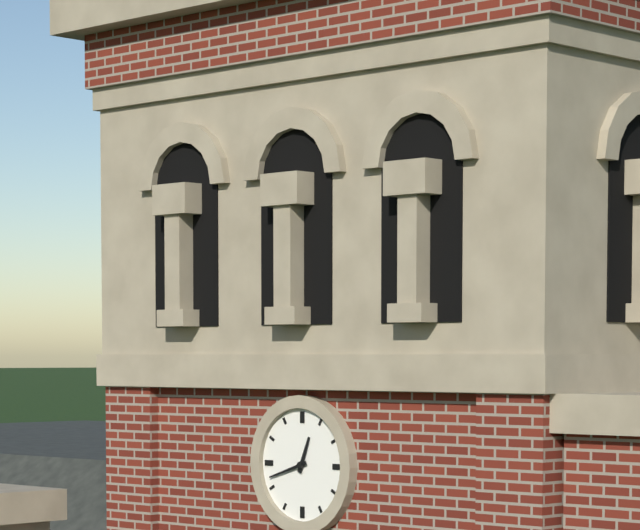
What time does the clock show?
12:42
